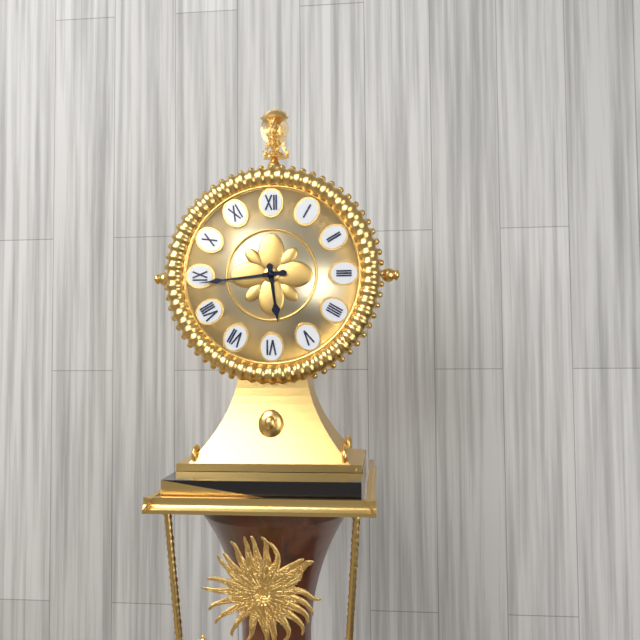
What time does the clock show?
5:44
